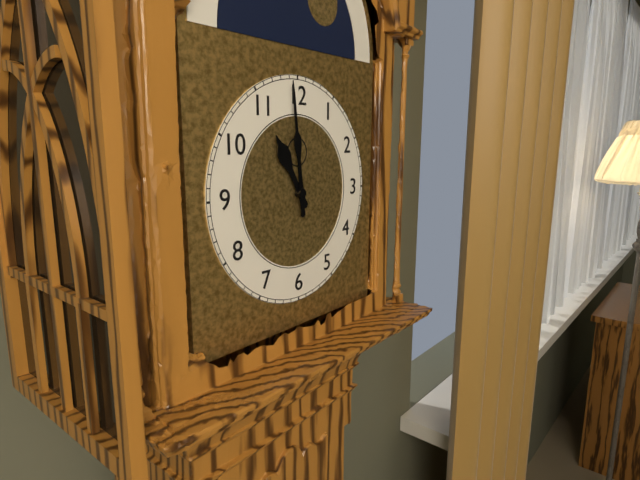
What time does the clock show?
10:59
